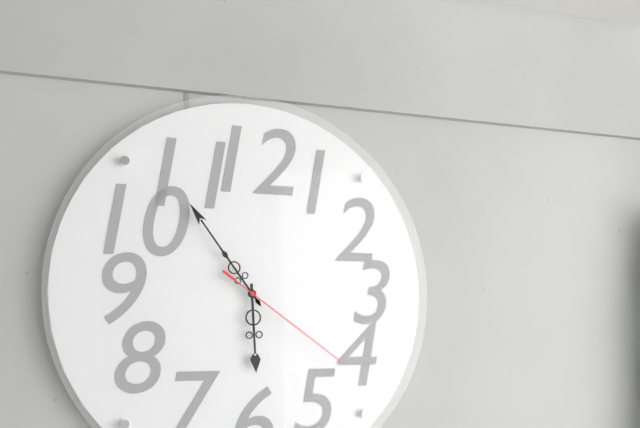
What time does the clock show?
5:54:21
